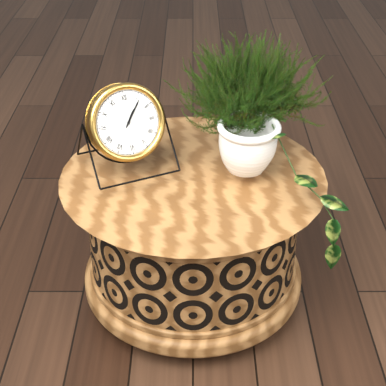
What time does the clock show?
1:06
